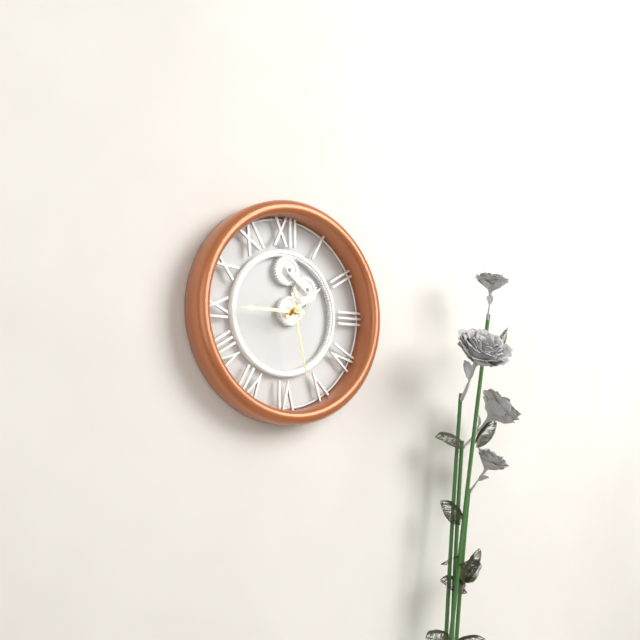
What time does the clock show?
1:45:28
